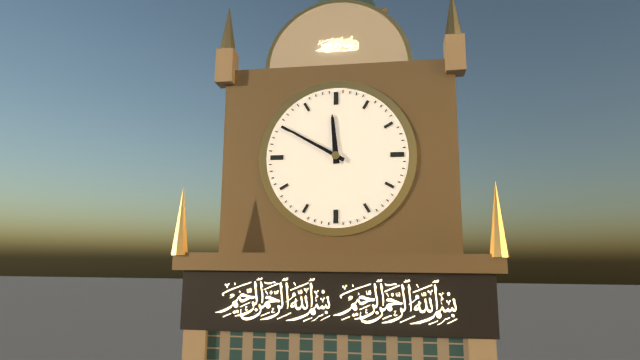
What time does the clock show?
11:50
